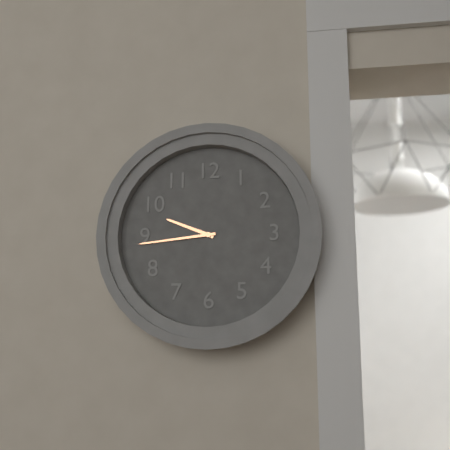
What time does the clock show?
9:44
